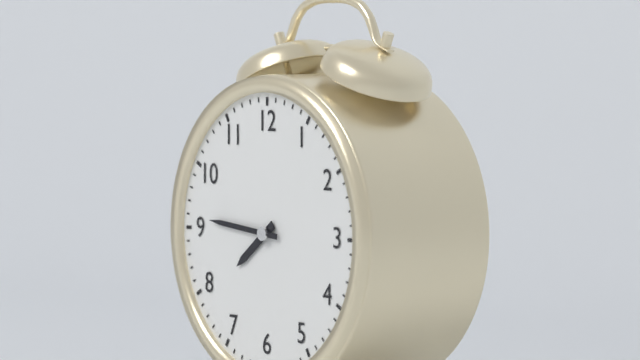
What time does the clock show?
7:46
